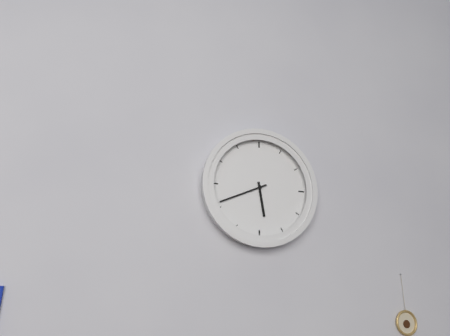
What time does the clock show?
5:41
